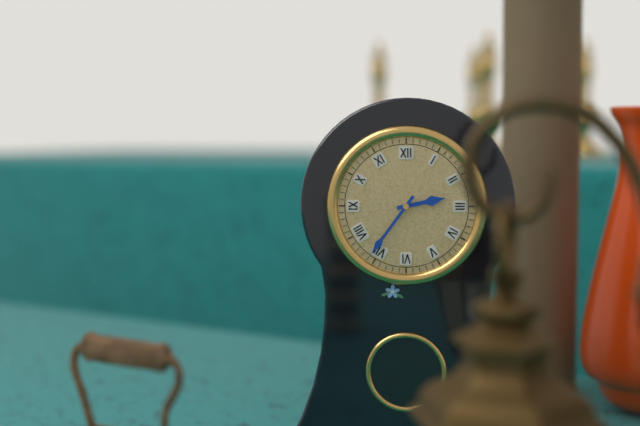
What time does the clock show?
2:36
